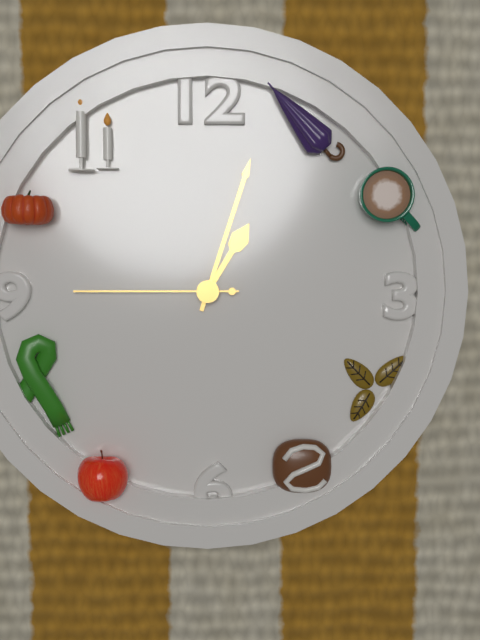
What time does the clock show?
1:03:45
